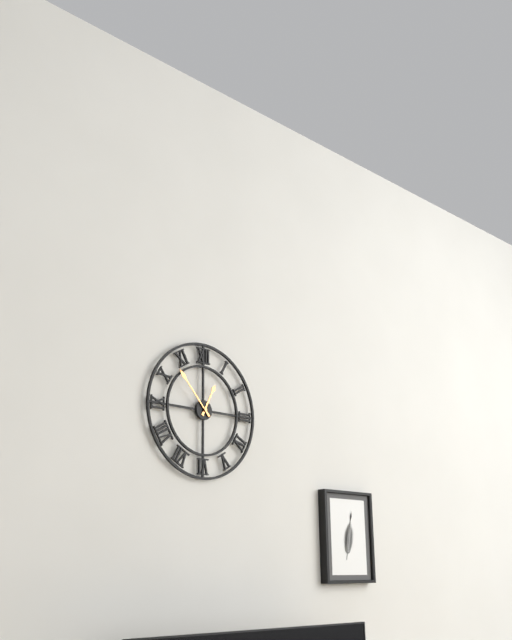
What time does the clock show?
12:53
